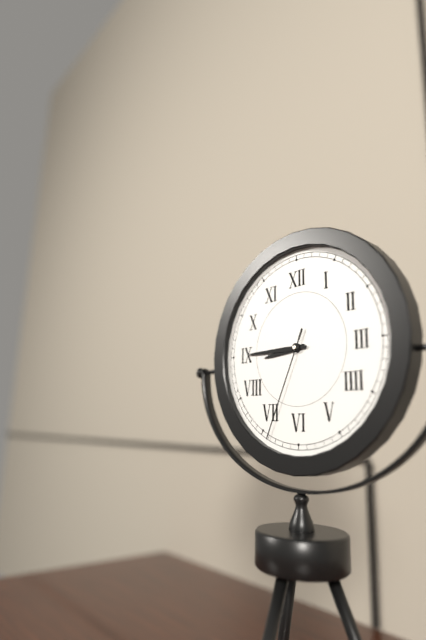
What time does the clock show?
8:45:34
